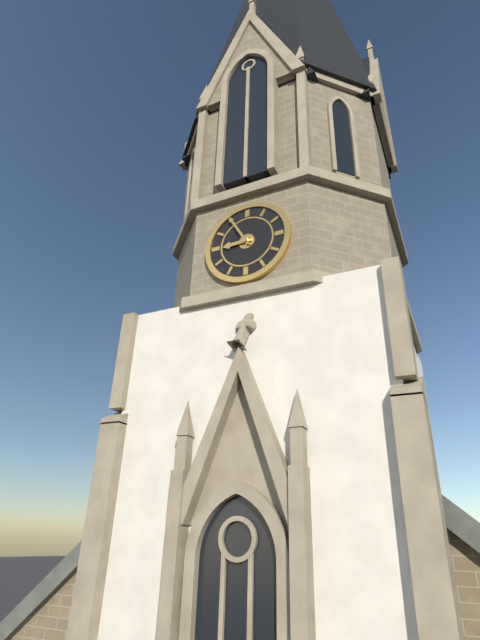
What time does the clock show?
8:55
